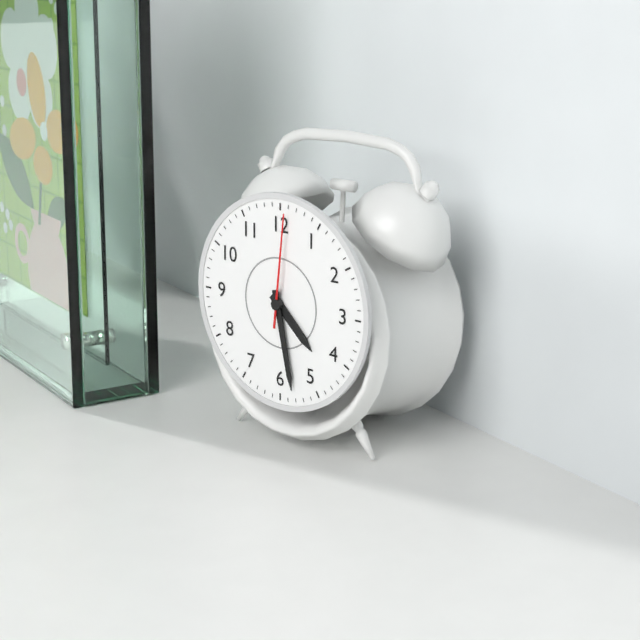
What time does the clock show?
4:28:01
